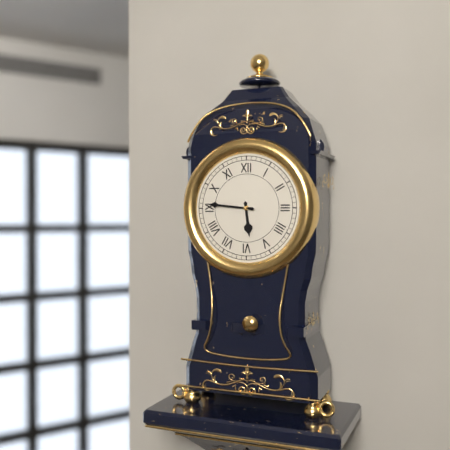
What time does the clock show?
5:46
